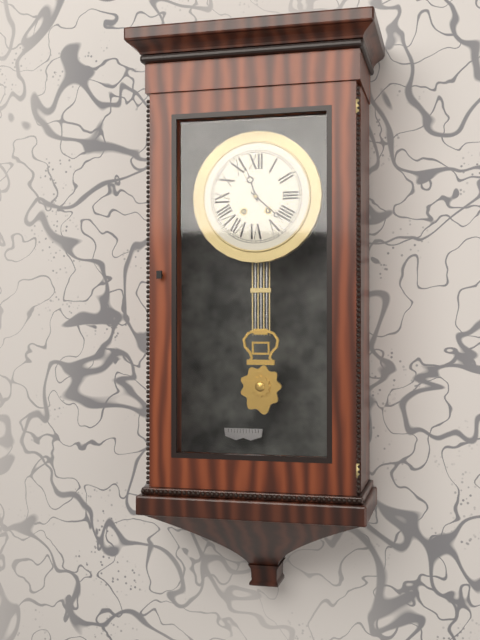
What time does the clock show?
11:22
